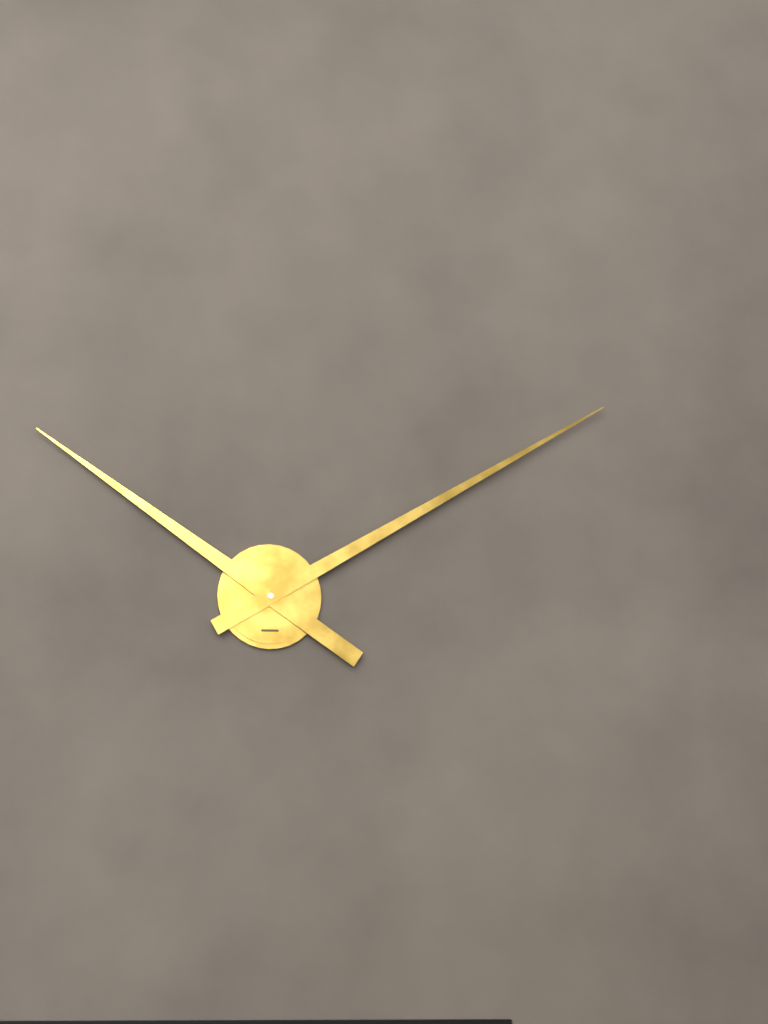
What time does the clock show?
10:10
